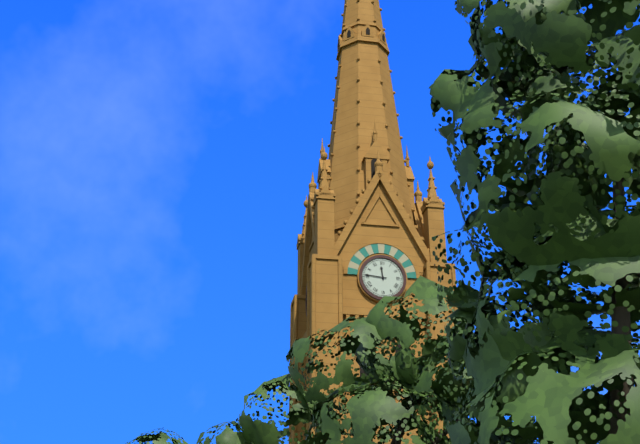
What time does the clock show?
11:46
